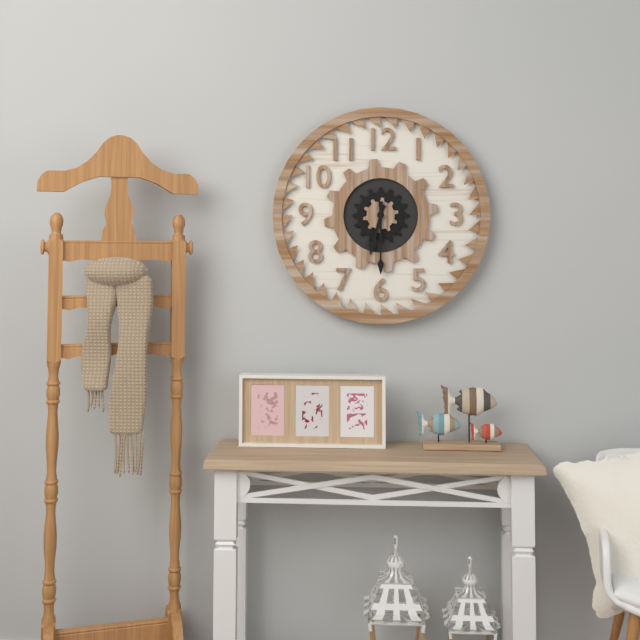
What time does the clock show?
6:30
